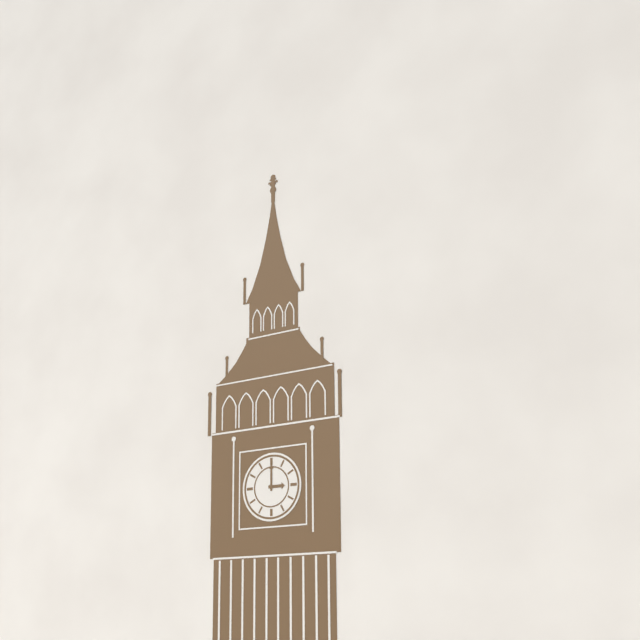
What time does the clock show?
3:00
